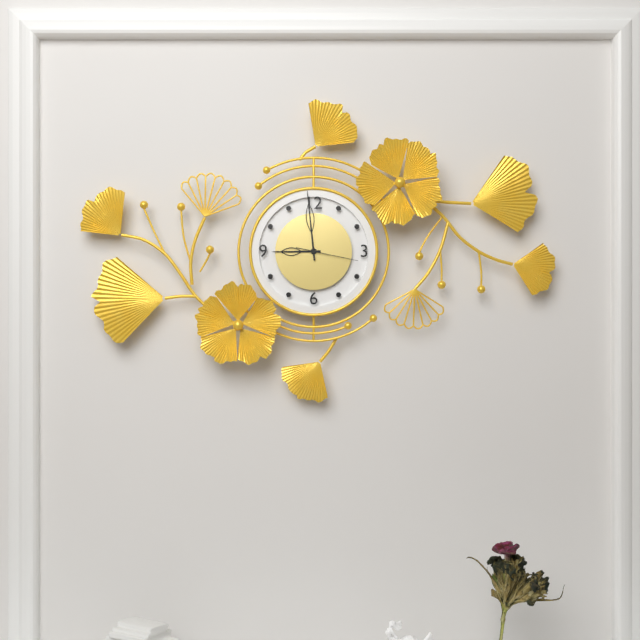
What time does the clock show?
8:59:17
